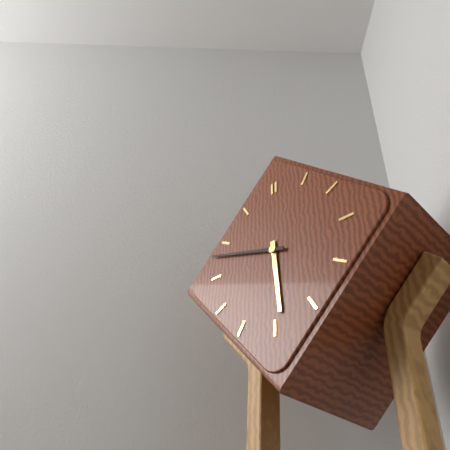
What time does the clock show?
5:48
